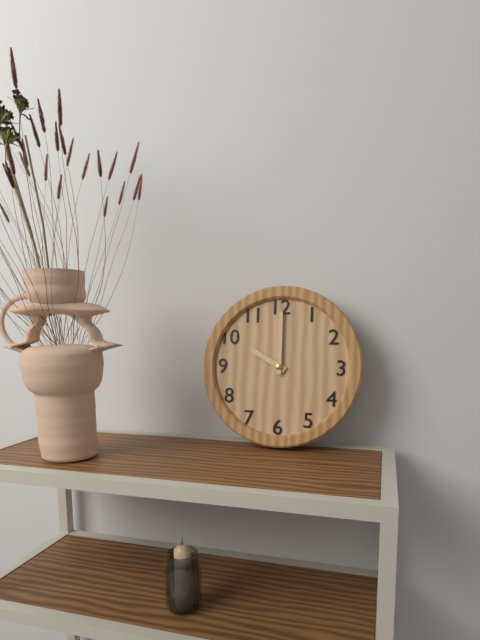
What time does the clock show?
10:00
